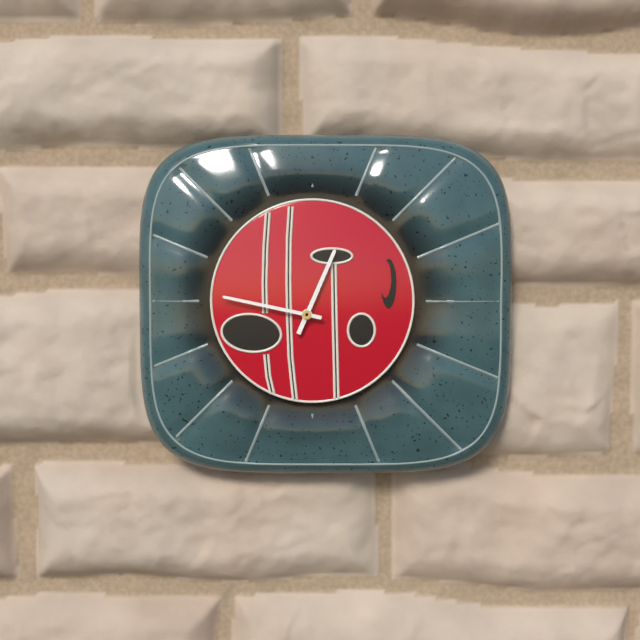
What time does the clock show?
12:47
